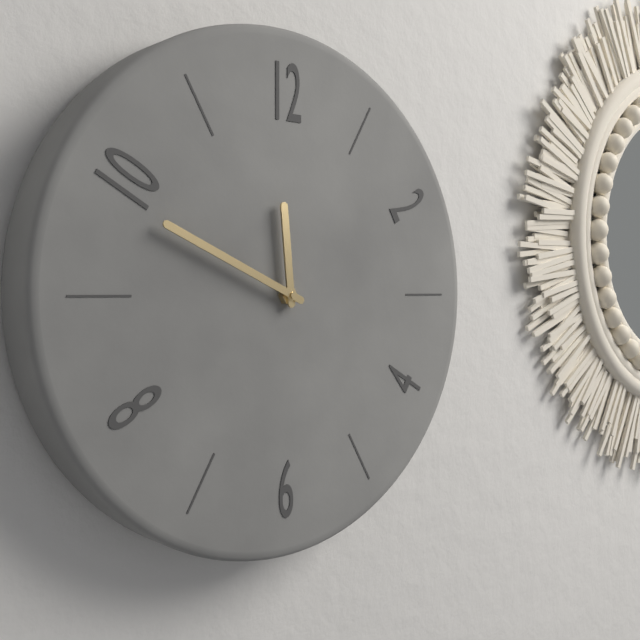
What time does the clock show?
11:49
